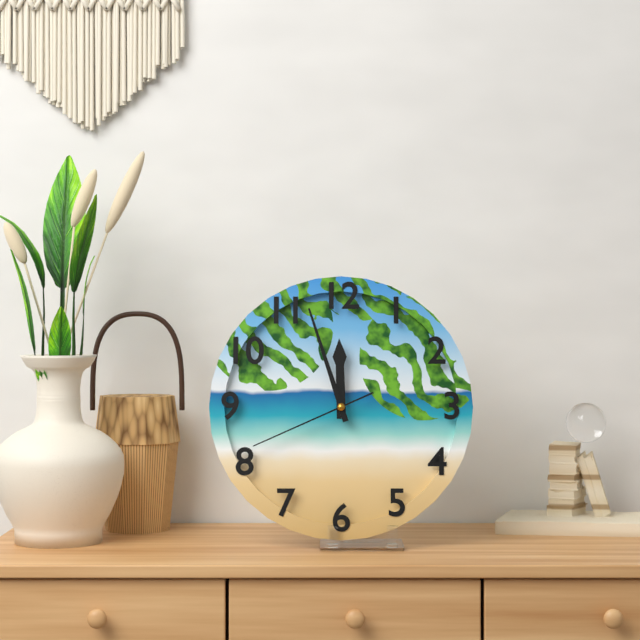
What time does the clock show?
11:57:41
